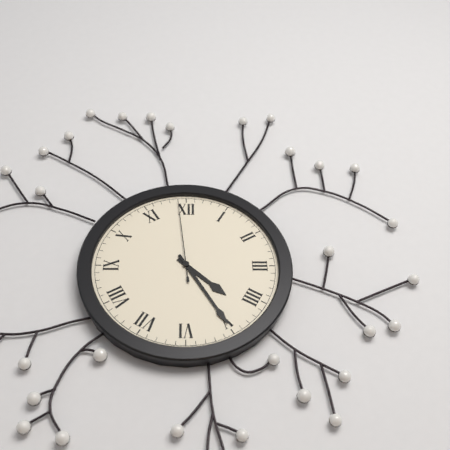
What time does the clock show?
4:25:59
